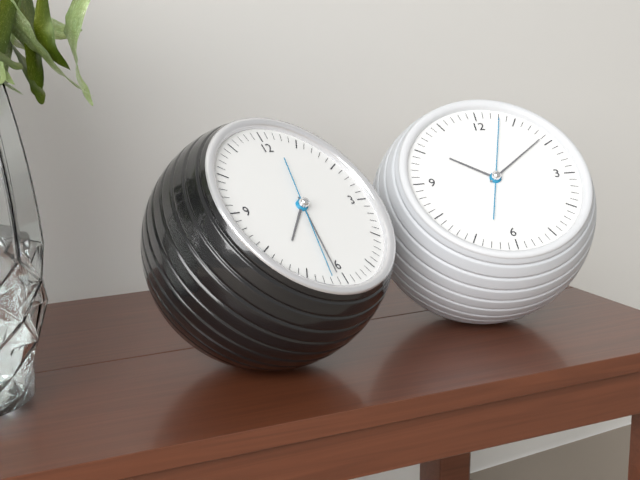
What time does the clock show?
7:31:32
